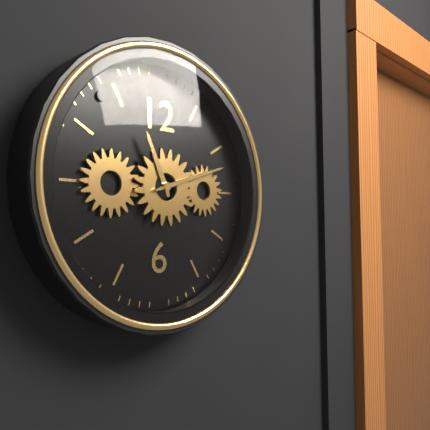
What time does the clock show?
11:12
